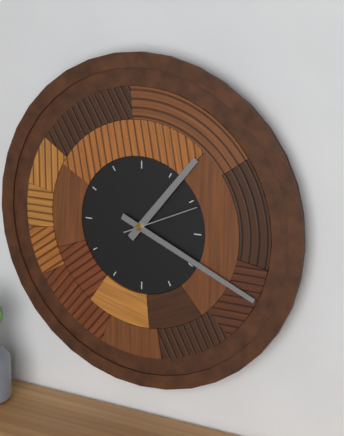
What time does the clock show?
1:19:11
